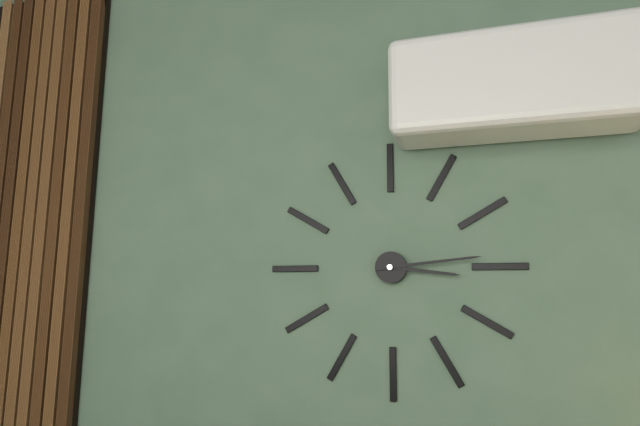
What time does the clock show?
3:14
